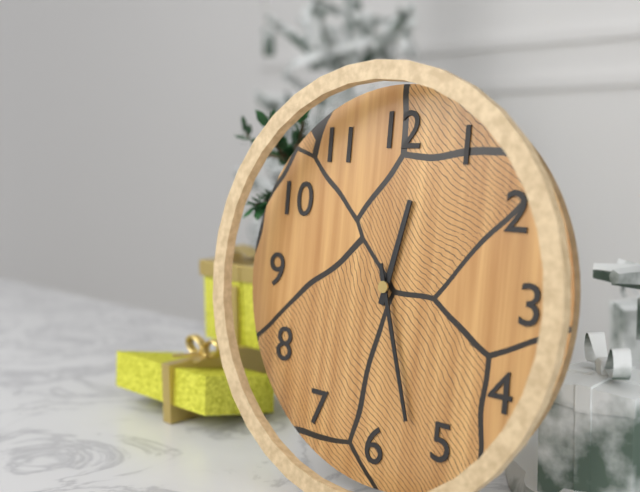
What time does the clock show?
12:27
